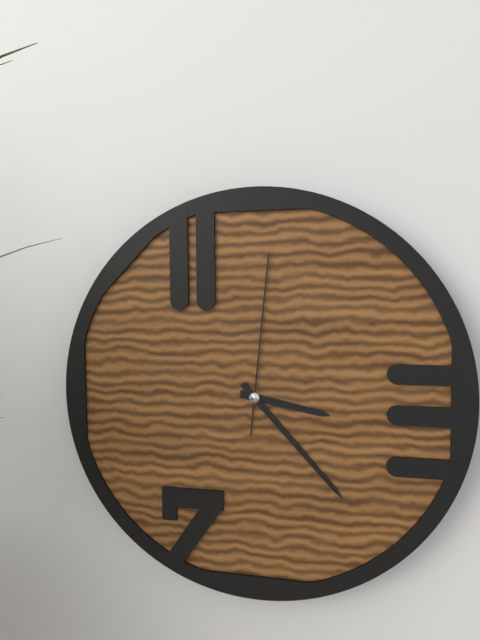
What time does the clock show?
3:23:01
